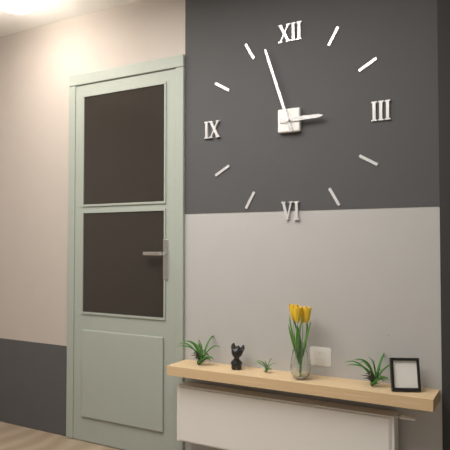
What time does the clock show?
2:57
